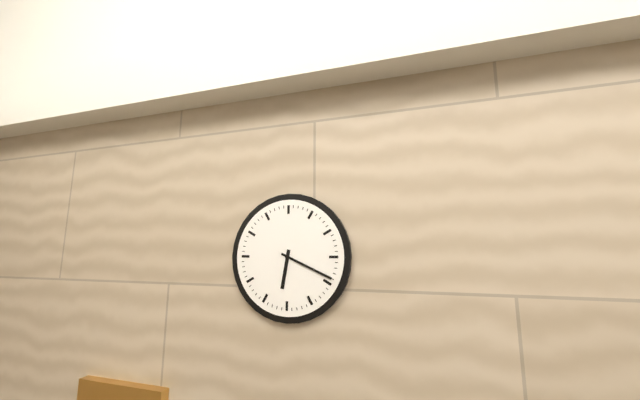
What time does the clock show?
6:19
